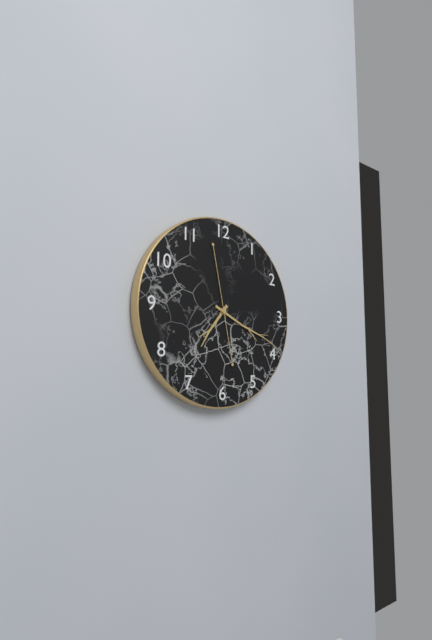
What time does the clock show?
7:19:58
